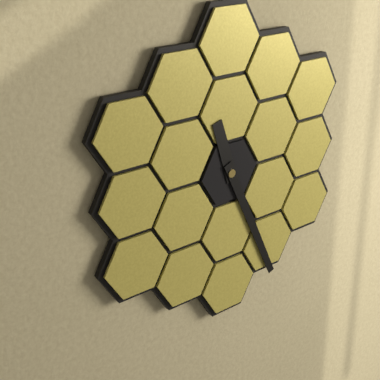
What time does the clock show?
11:26
